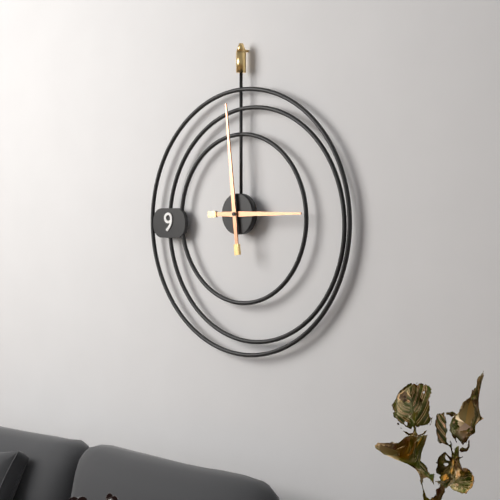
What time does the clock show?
2:59
